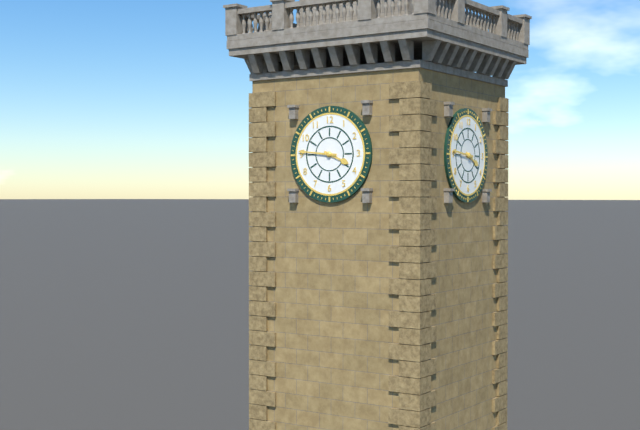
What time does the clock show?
3:46
